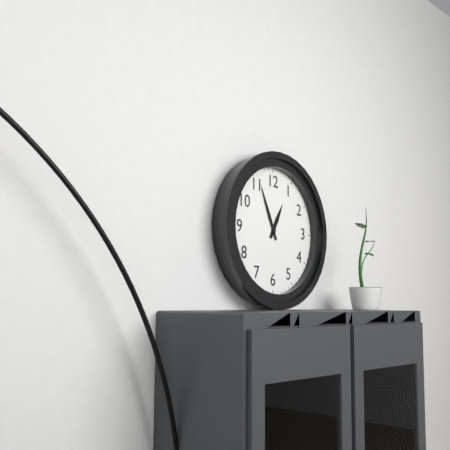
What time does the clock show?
12:56
